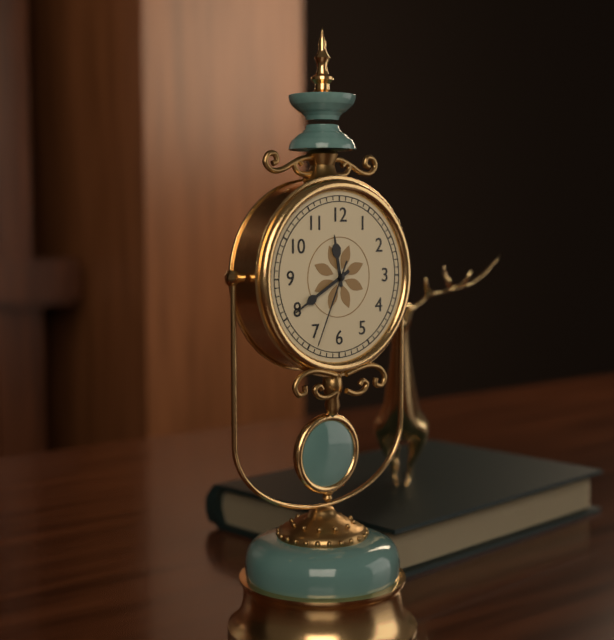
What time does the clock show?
11:40:34
